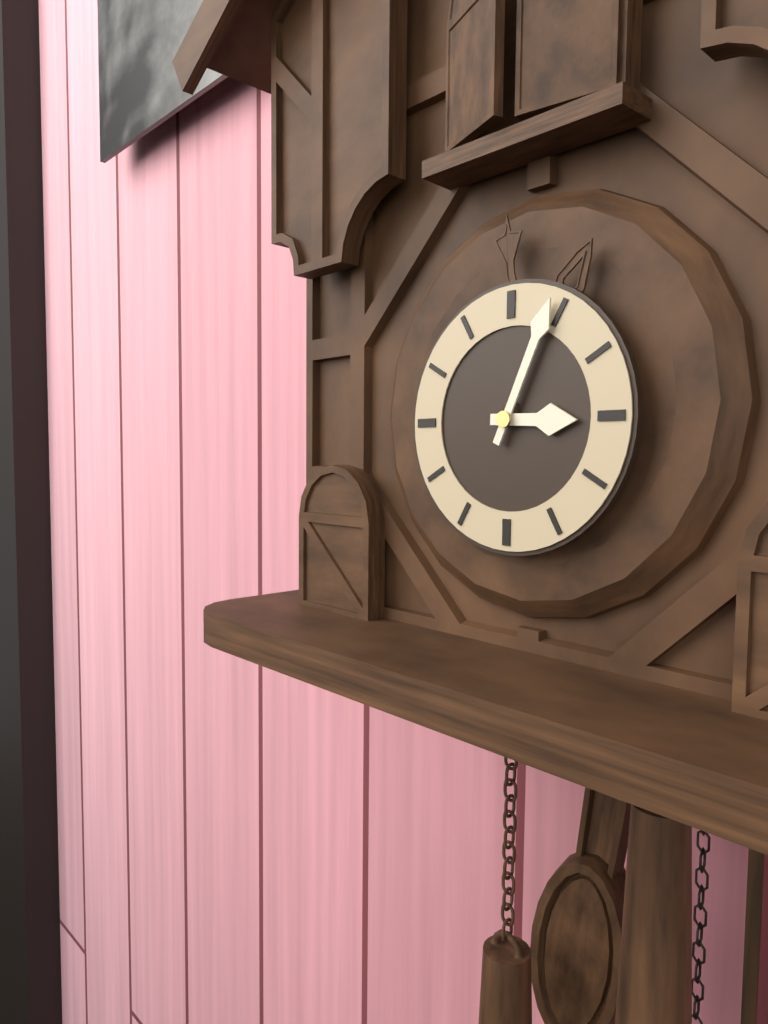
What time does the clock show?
3:04
